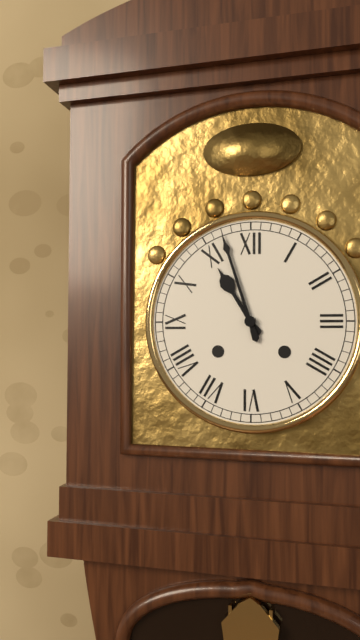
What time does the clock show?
10:57
